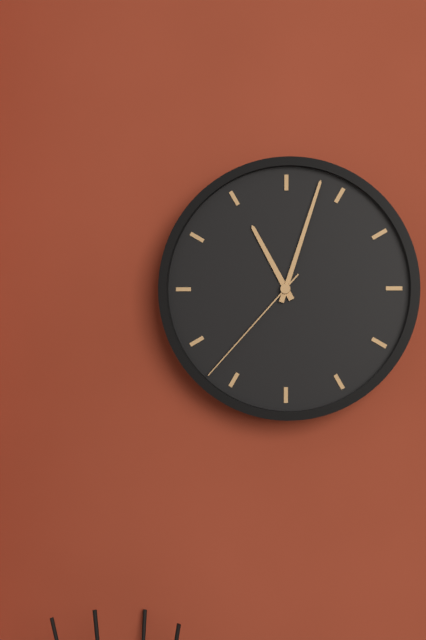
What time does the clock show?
11:03:37
